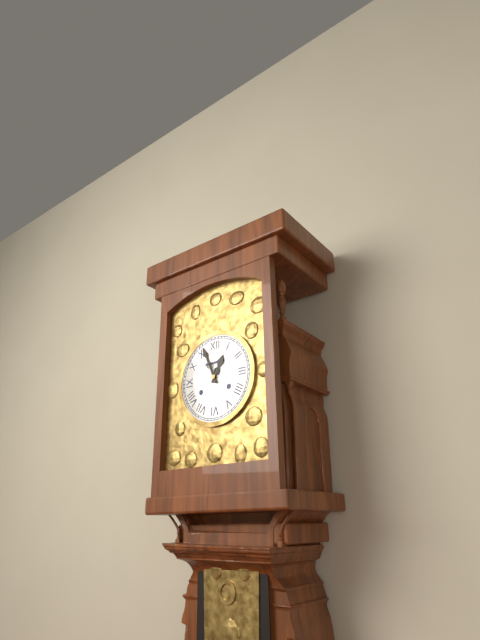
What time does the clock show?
12:56
